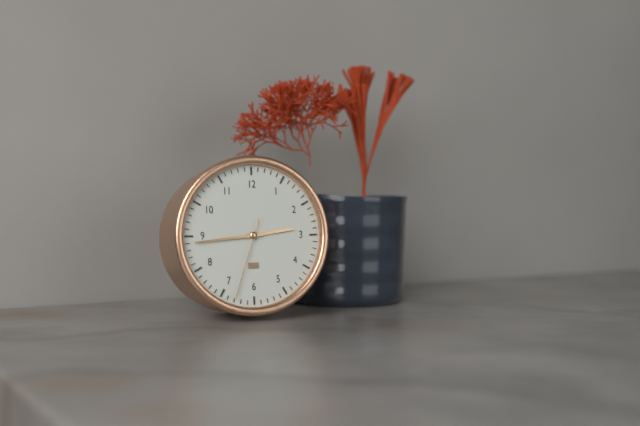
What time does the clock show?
2:44:33
